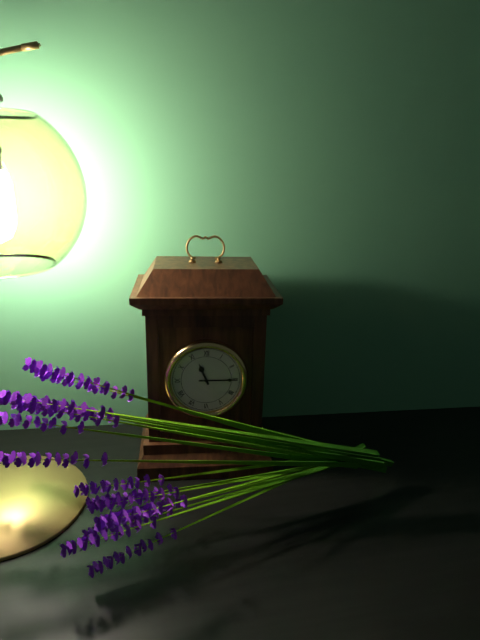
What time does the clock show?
11:15
